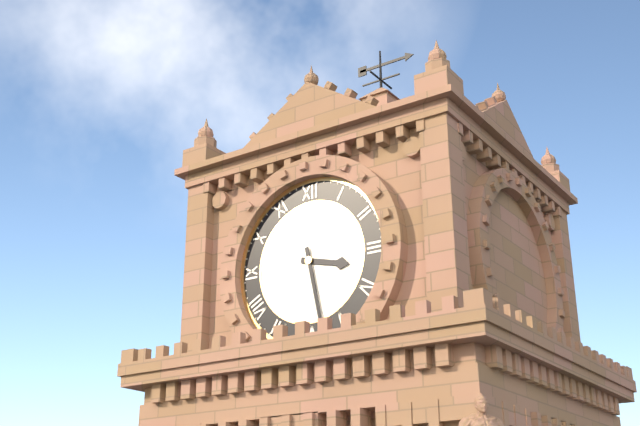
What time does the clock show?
3:28
